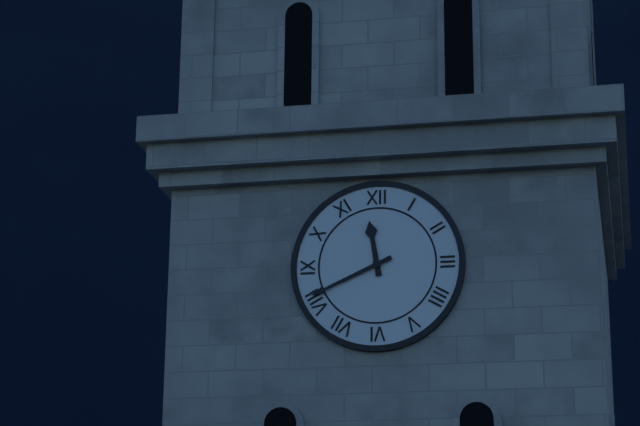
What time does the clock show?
11:41
